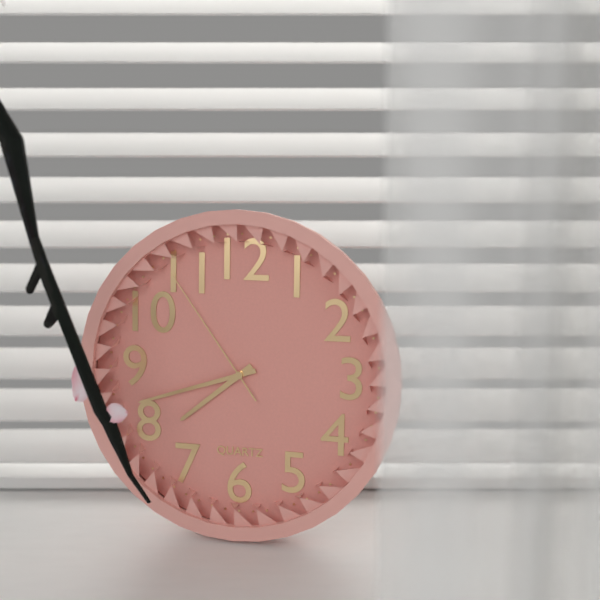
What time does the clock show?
7:42:54
